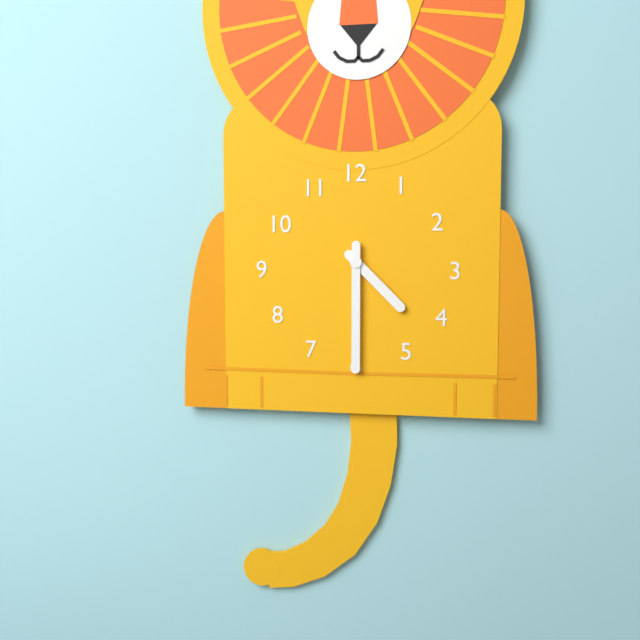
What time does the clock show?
4:30
